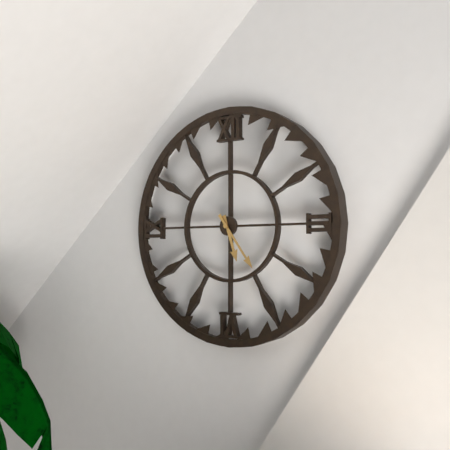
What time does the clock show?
5:24
